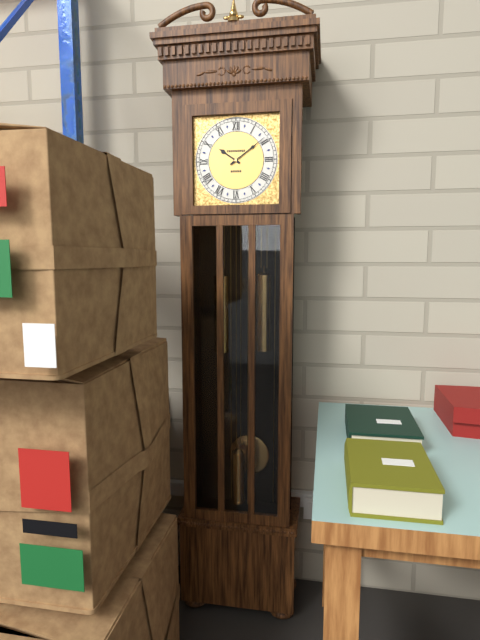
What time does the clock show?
10:09
